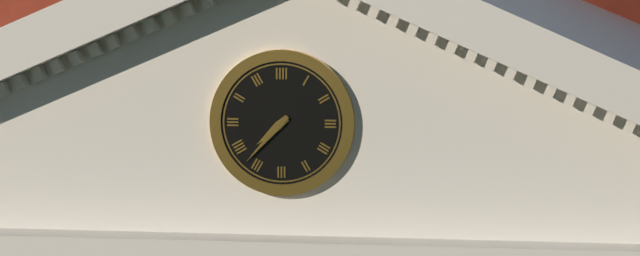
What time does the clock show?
7:37
